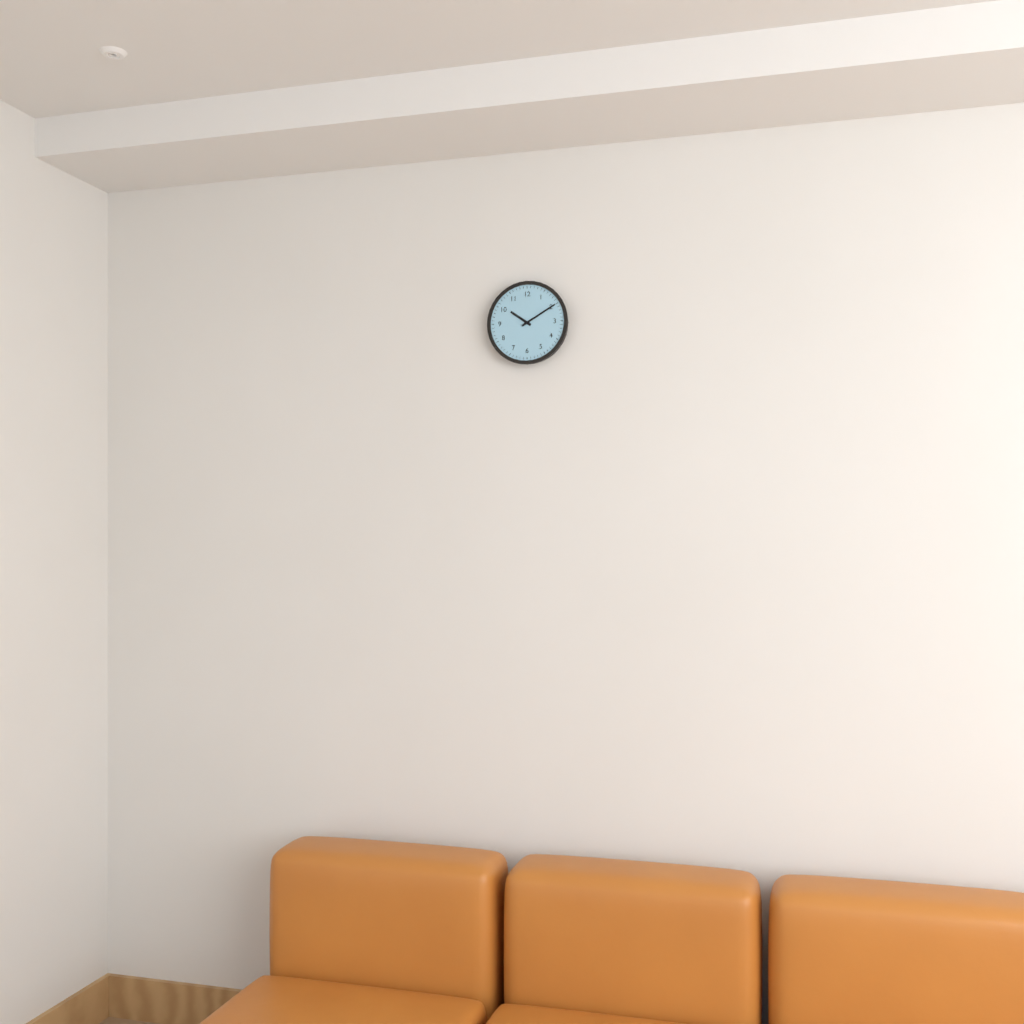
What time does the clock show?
10:10
